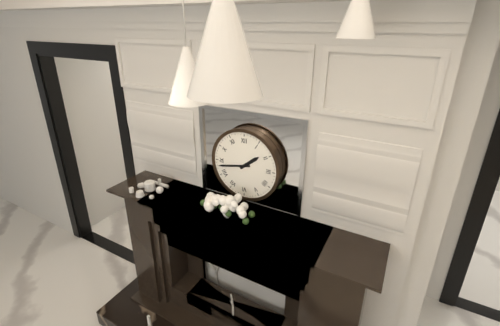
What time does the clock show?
1:43
